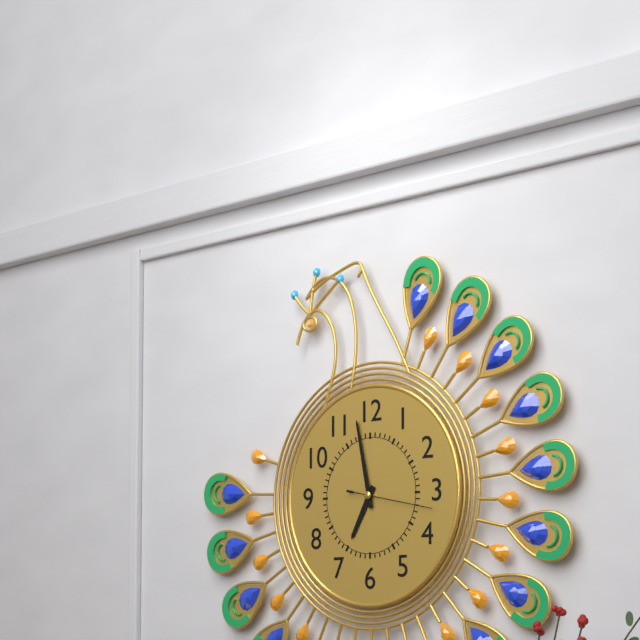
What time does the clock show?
6:58:17
